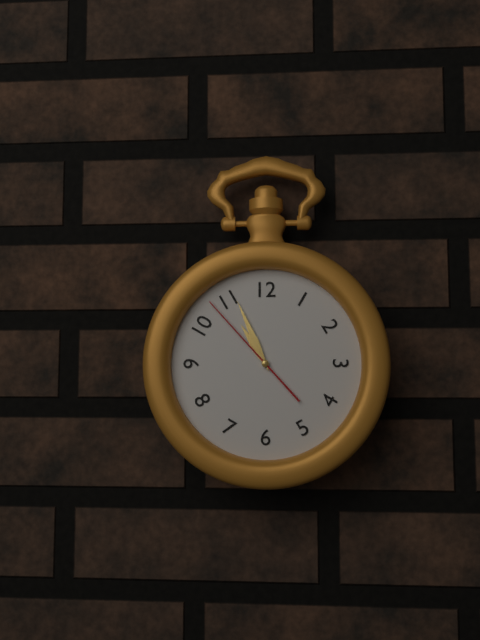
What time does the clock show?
10:56:53
